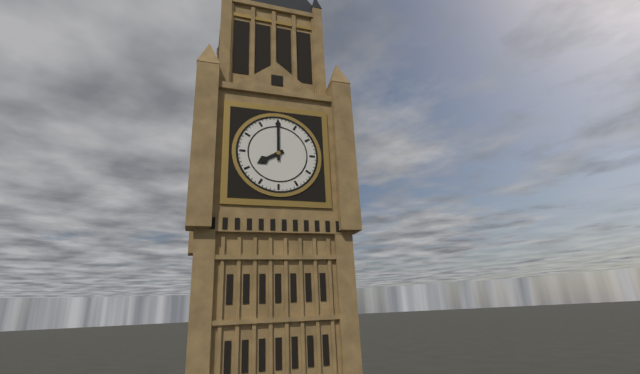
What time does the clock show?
8:00
